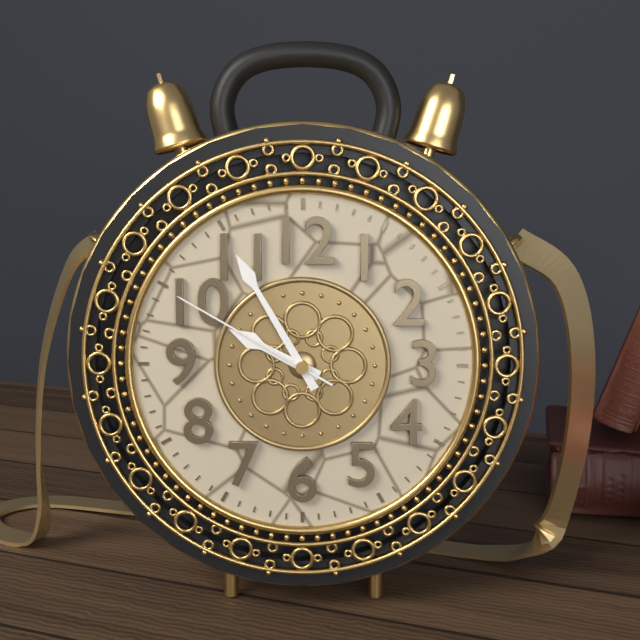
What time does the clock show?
9:55:50
